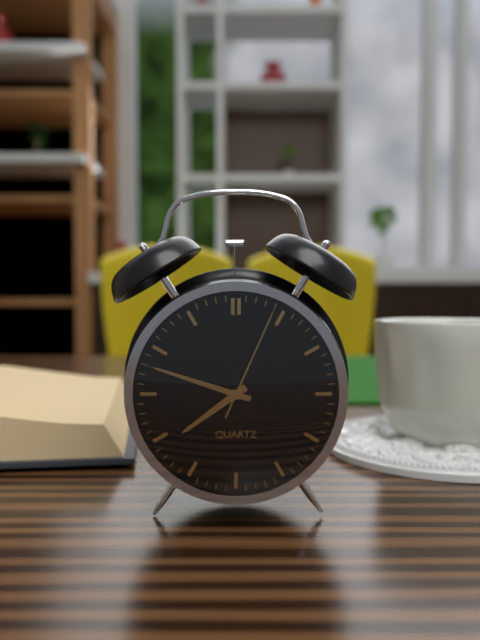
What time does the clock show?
7:48:04
